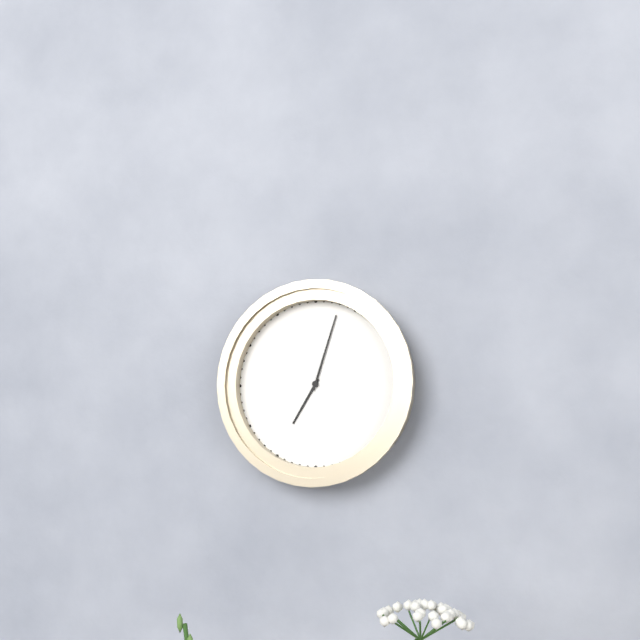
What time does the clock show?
7:03
